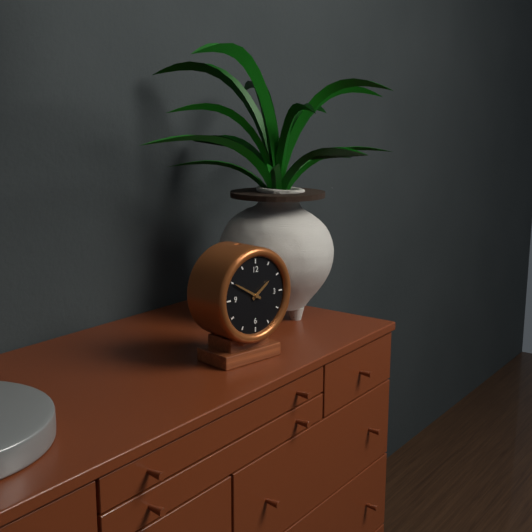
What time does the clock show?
1:50
